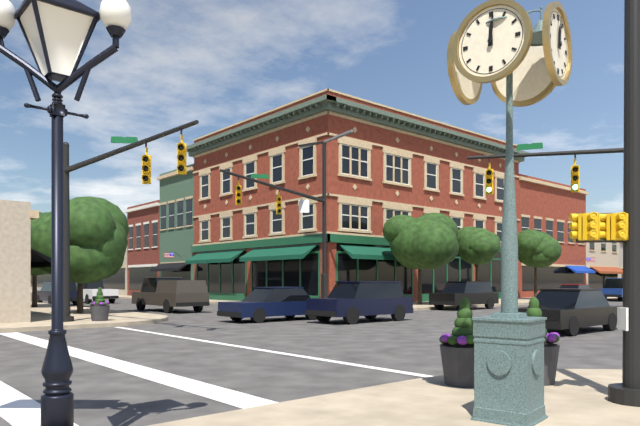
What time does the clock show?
12:01
